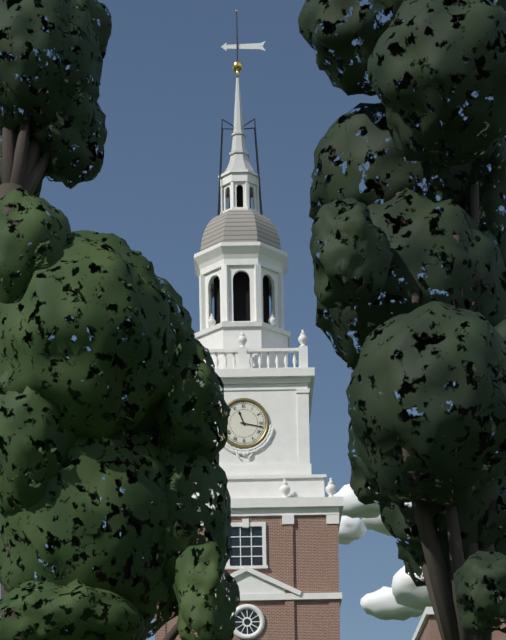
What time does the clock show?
11:17
